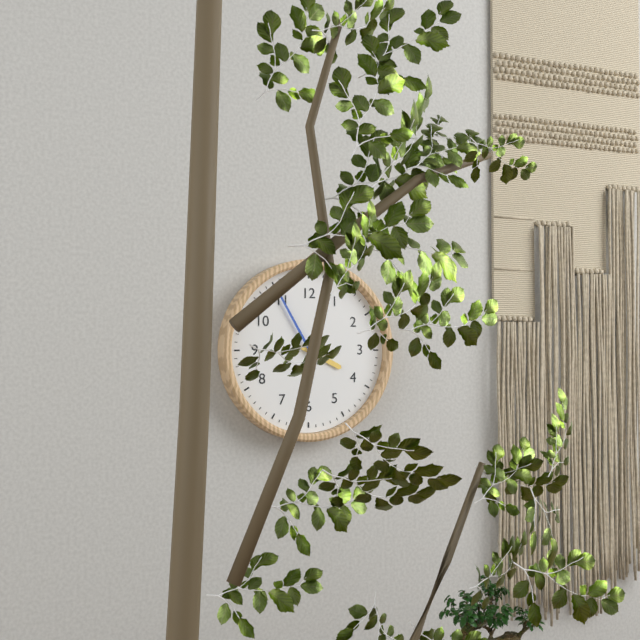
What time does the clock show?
3:55
